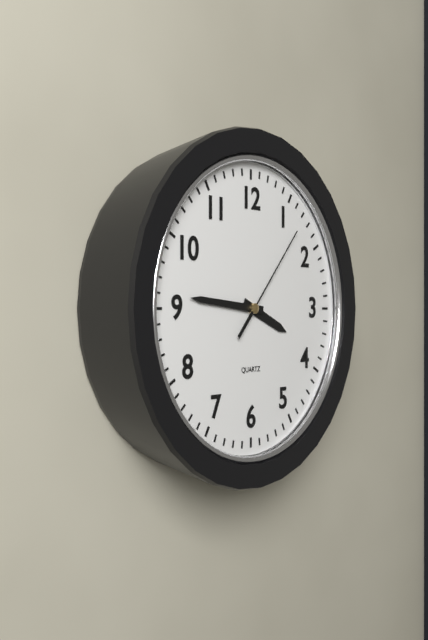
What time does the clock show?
3:46:07
